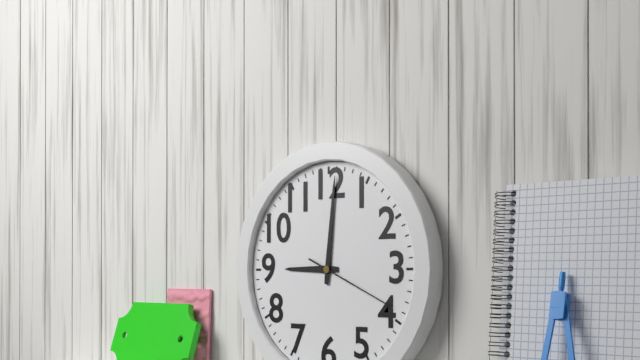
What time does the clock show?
9:01:19
